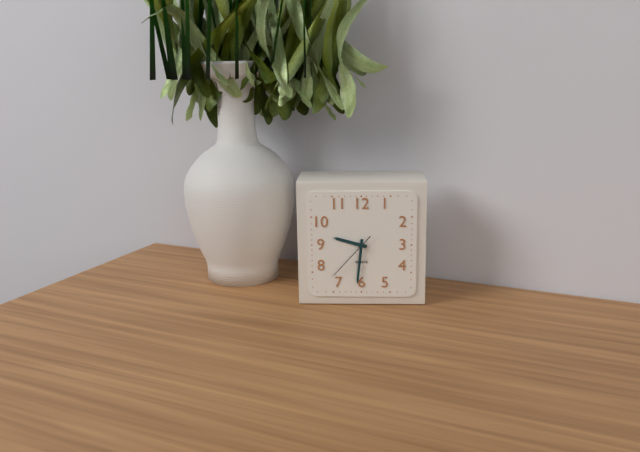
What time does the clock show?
9:31:37
